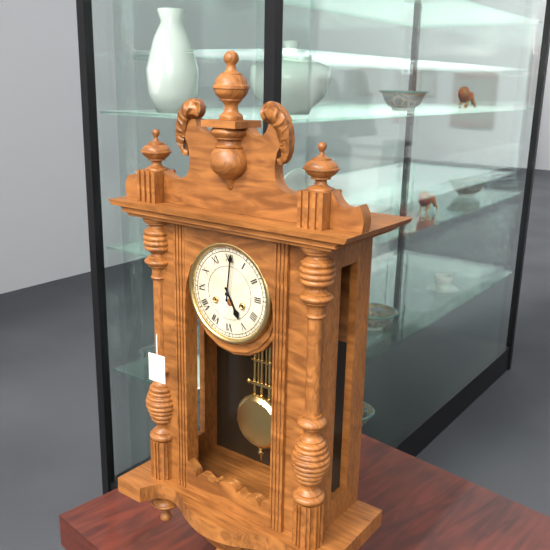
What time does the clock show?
5:01
